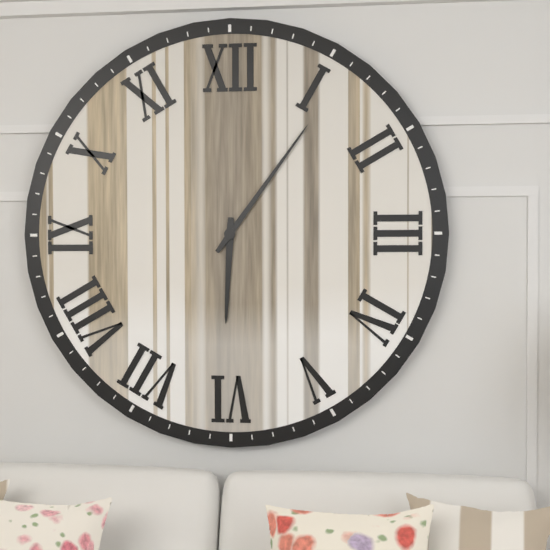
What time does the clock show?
6:06
